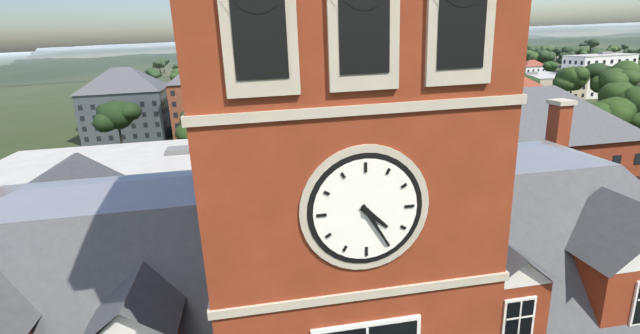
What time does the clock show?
4:25
